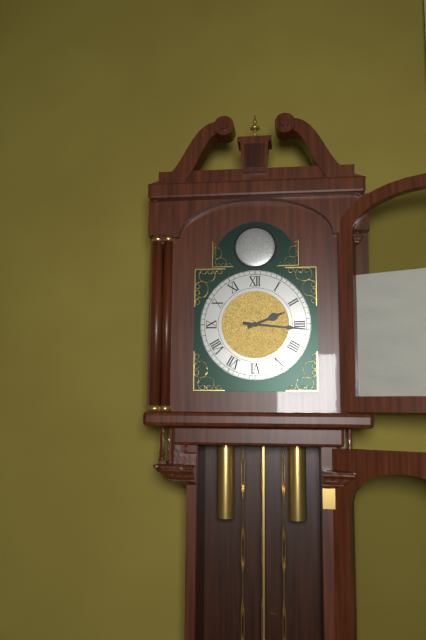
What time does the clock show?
2:16
